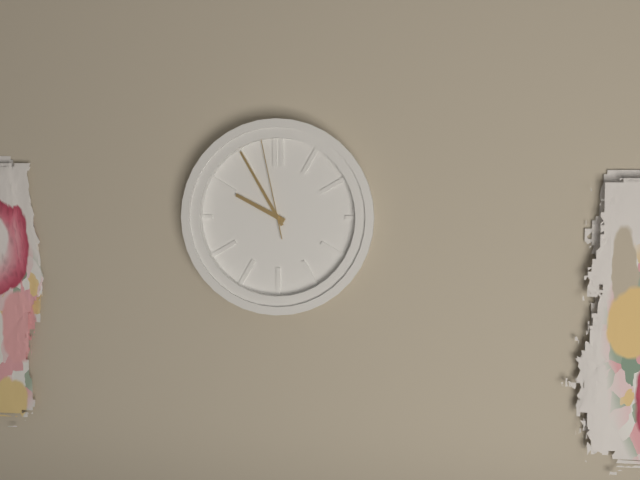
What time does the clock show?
9:55:58
